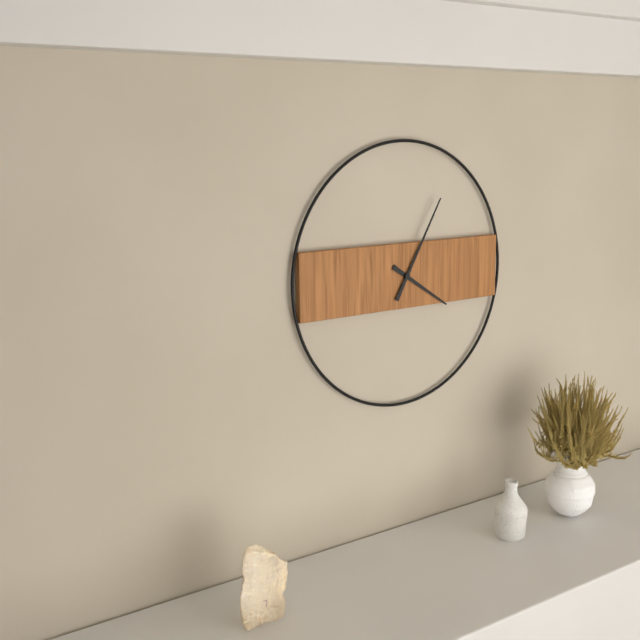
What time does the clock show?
4:05
